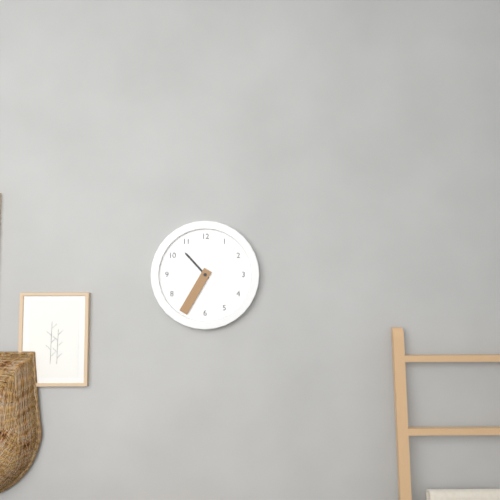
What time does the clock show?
10:35
